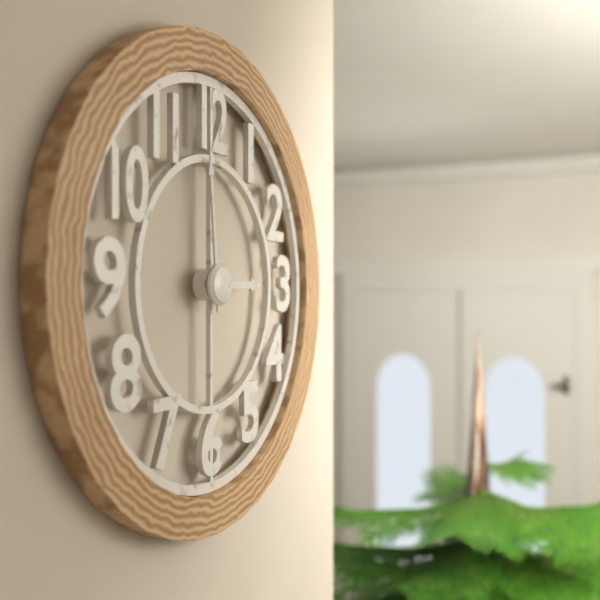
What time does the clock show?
2:59
